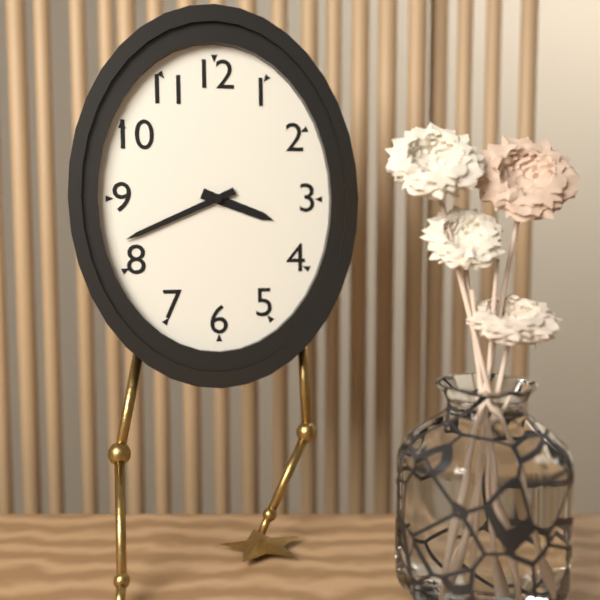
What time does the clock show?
3:41
